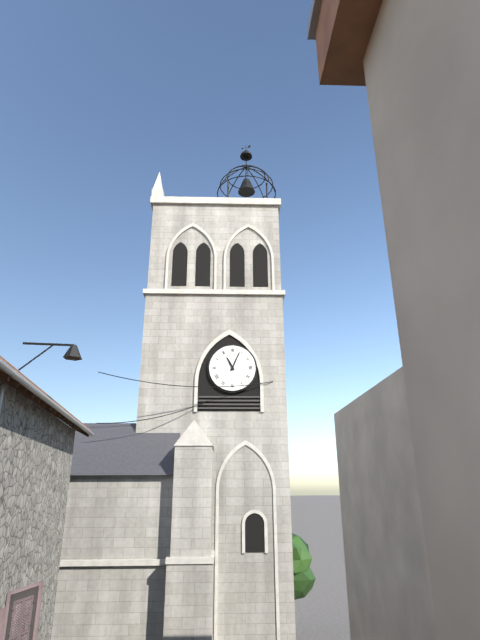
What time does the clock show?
11:04
